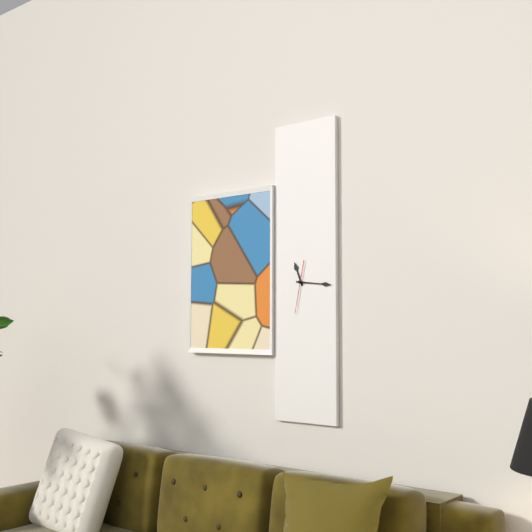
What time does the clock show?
11:16
